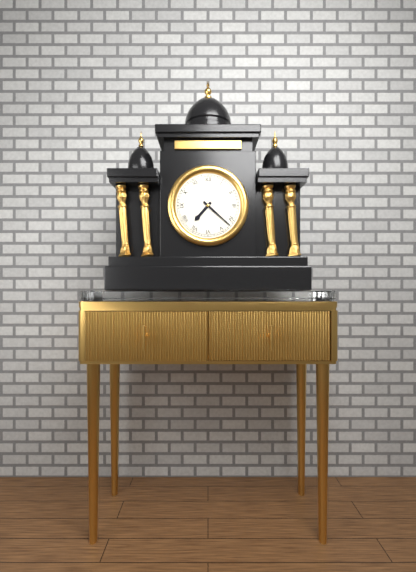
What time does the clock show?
7:22
